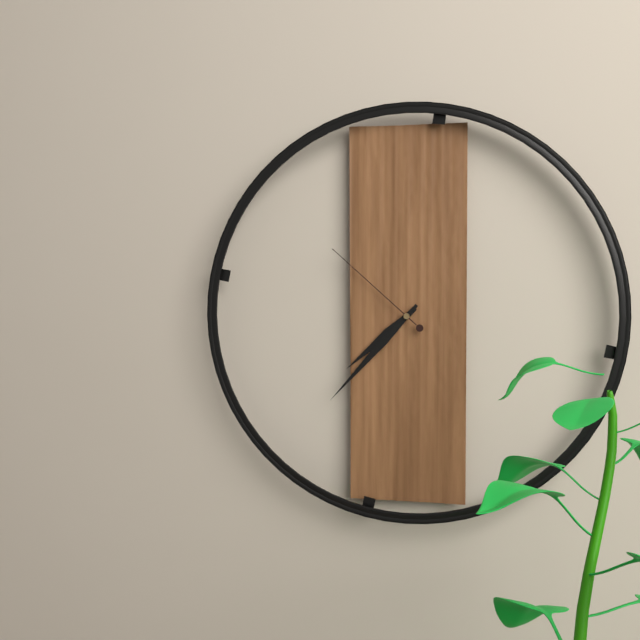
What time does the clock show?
7:37:52
